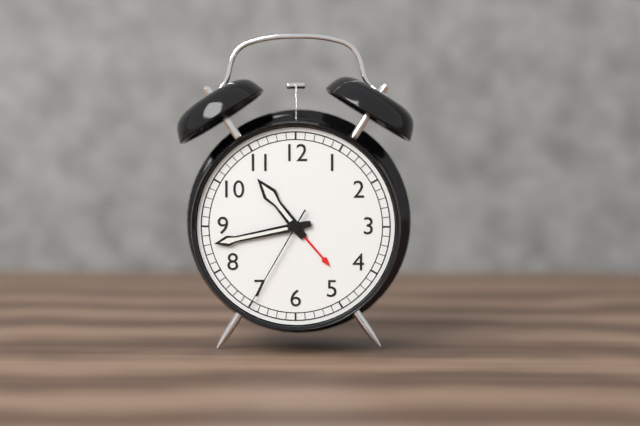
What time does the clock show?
10:43:35
